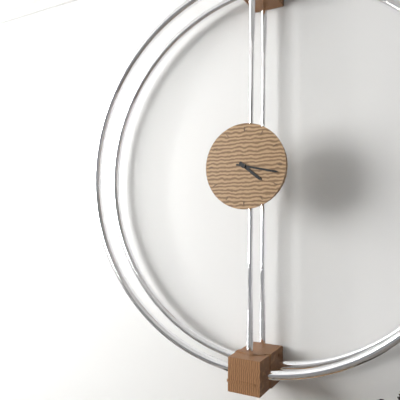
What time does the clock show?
4:17
